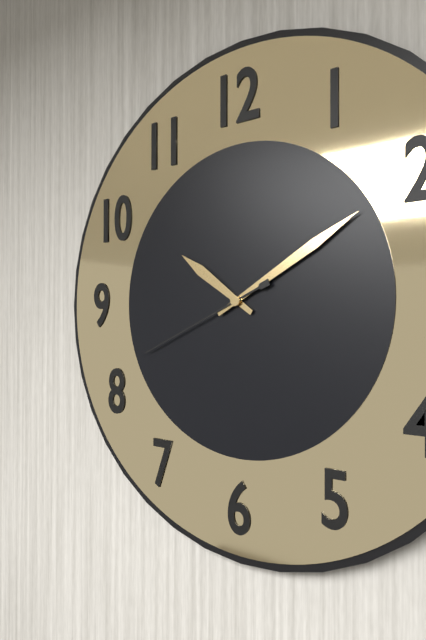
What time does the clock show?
10:10:41
